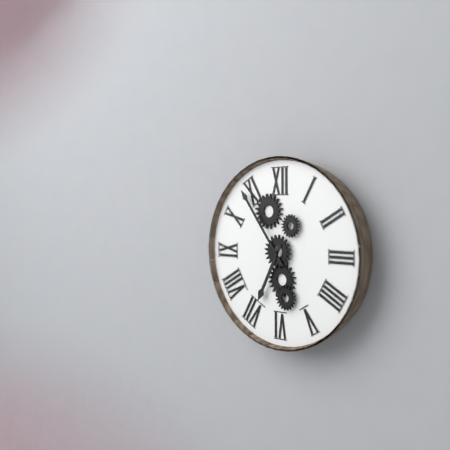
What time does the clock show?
6:54
